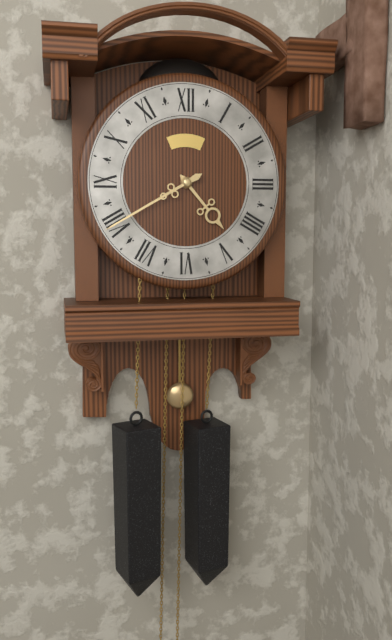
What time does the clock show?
4:40
